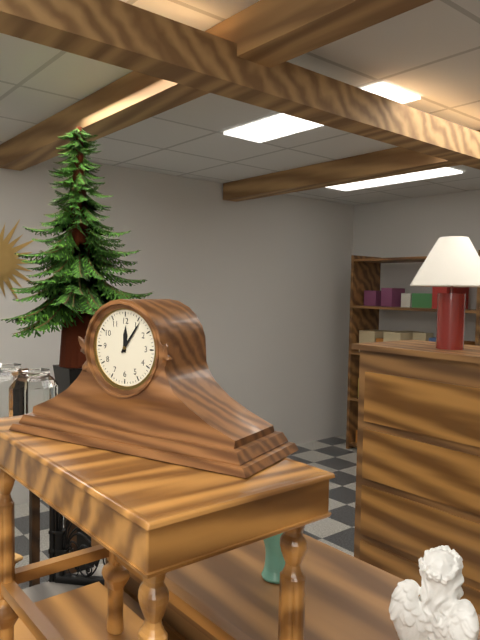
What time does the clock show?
12:06
